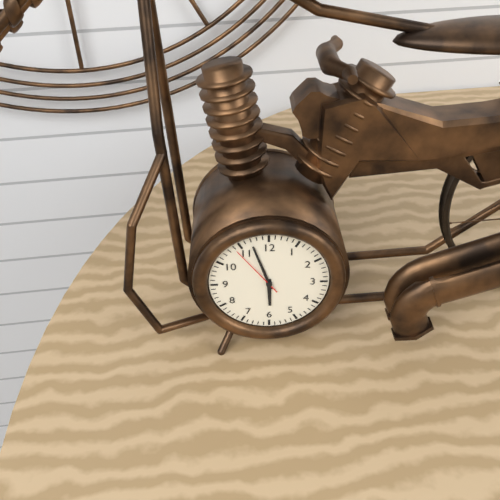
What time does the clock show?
5:57:54
